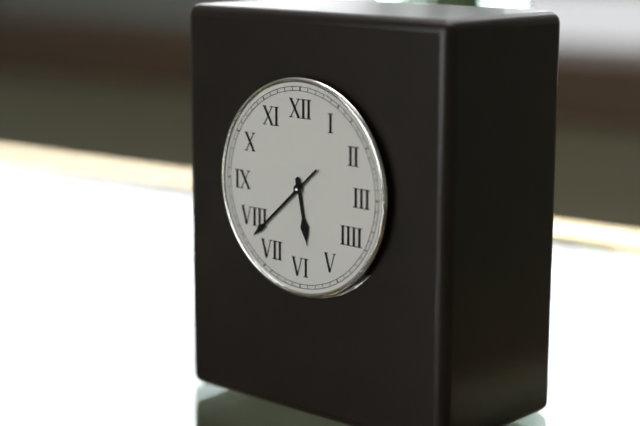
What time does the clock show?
5:38
